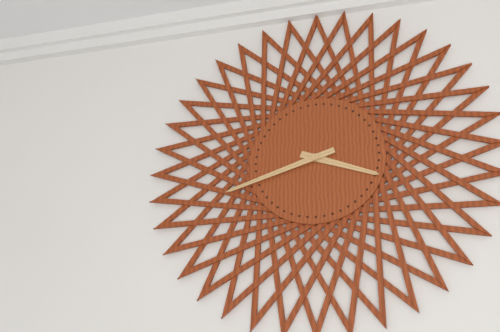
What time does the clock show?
3:42
